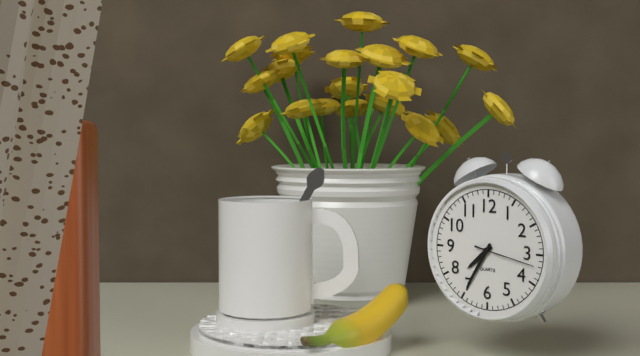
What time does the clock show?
7:35:17
